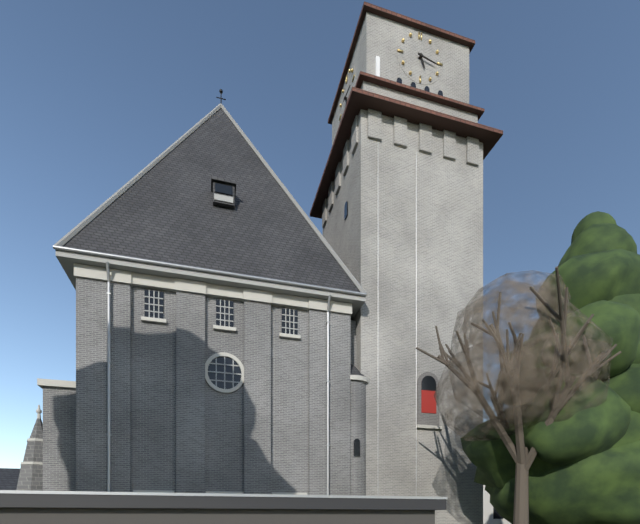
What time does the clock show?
5:17
